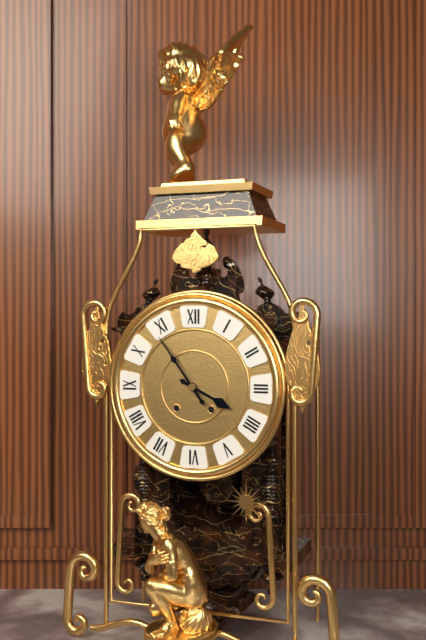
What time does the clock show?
3:54
